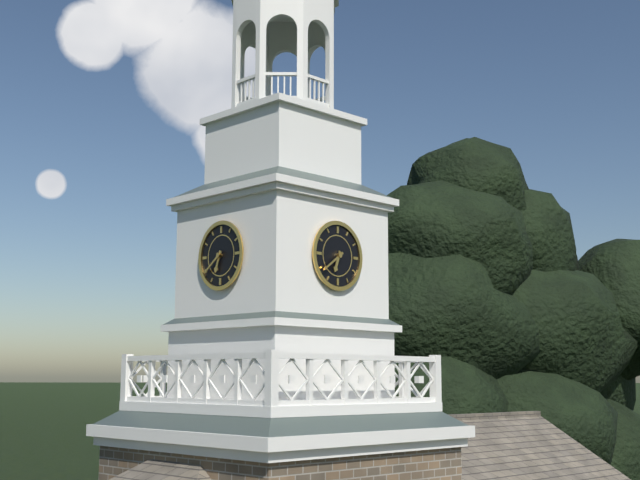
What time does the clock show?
6:39
